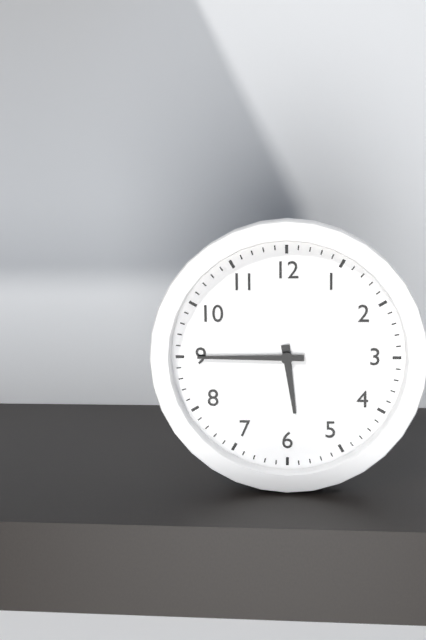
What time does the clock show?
5:45
